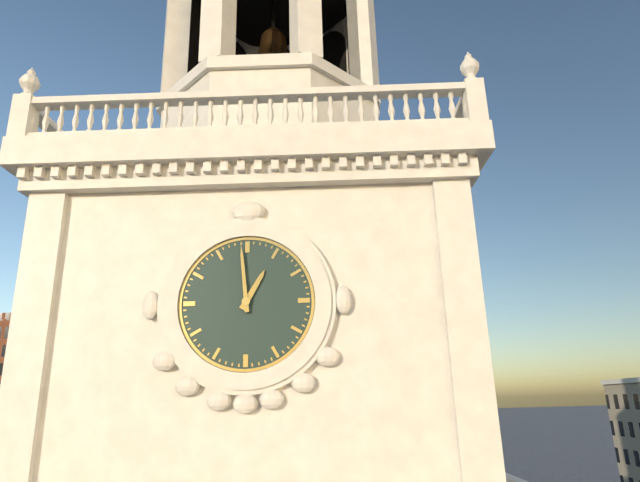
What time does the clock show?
12:59
